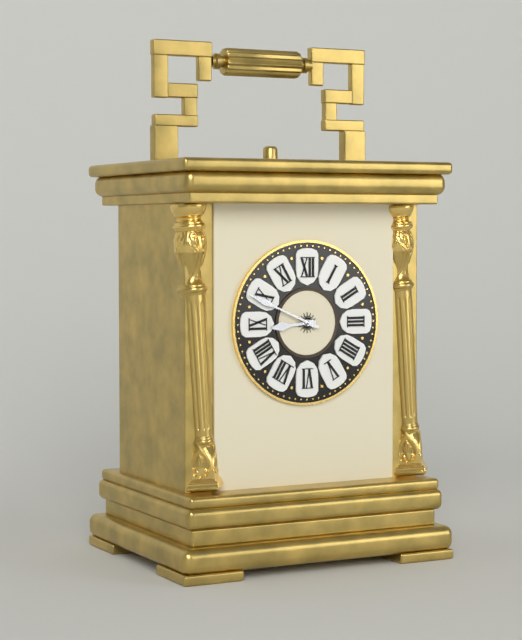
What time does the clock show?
8:49
